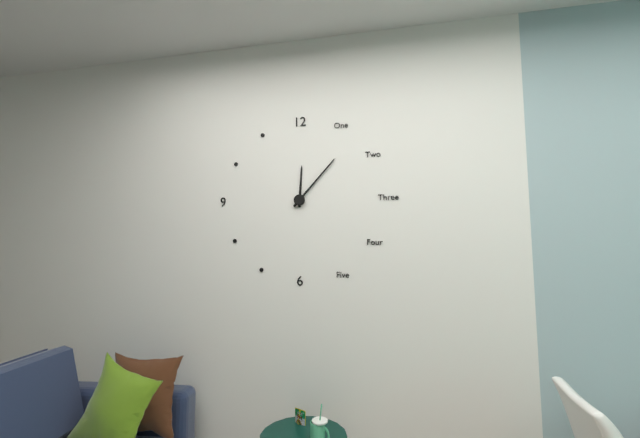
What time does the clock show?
12:07
